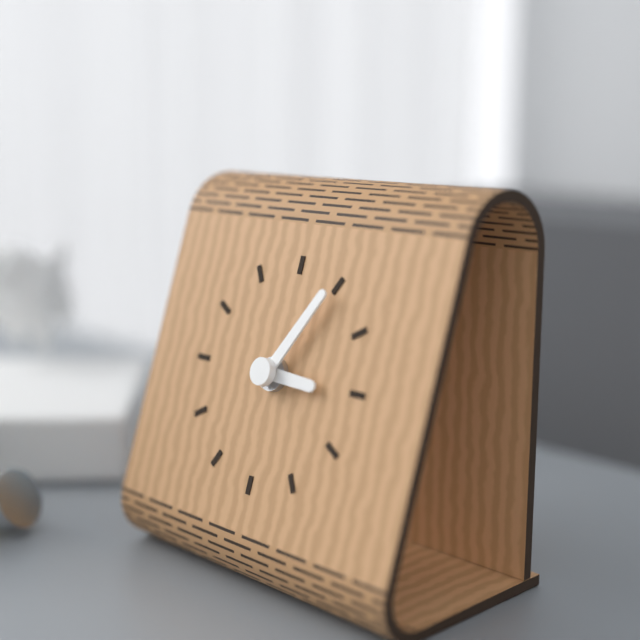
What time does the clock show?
3:05
